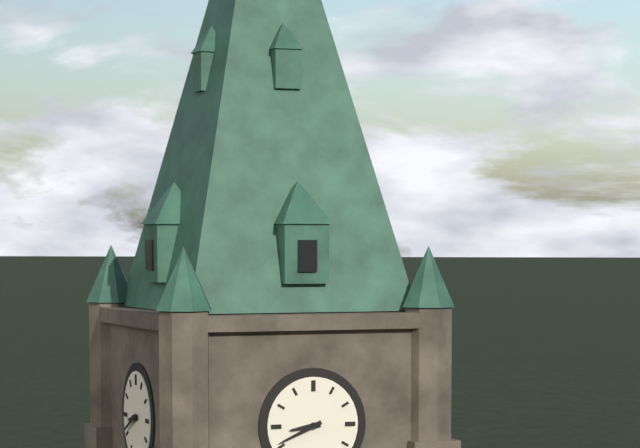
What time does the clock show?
8:41
